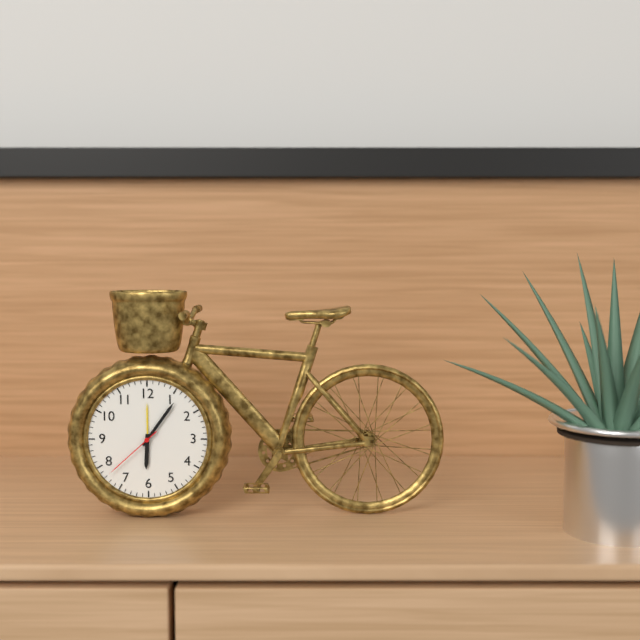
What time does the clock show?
6:06:38
